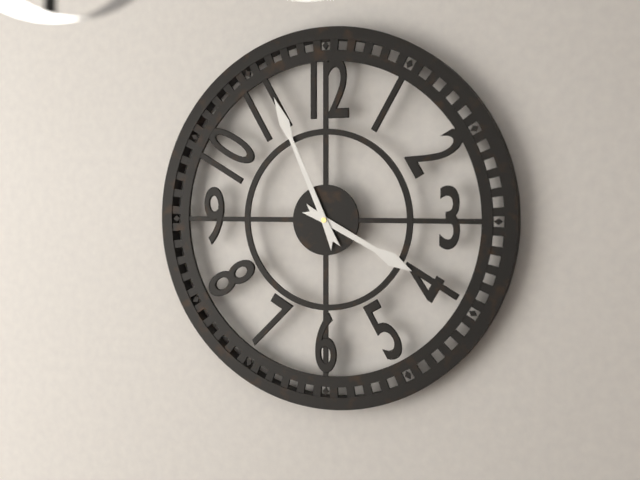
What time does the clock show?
3:56
